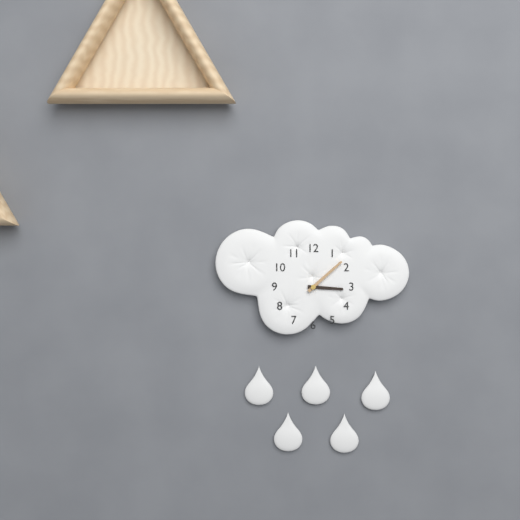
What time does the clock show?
3:08
